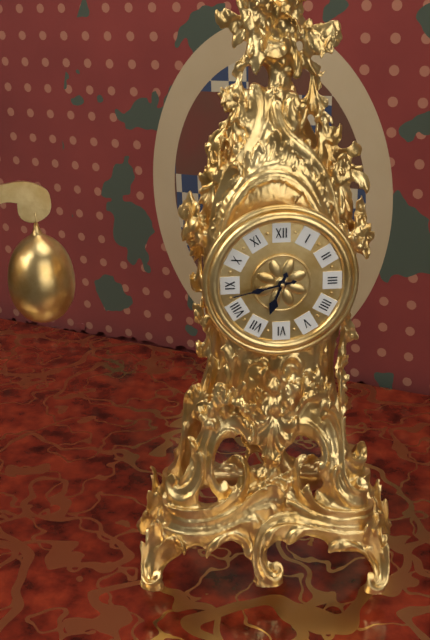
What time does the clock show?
6:43
